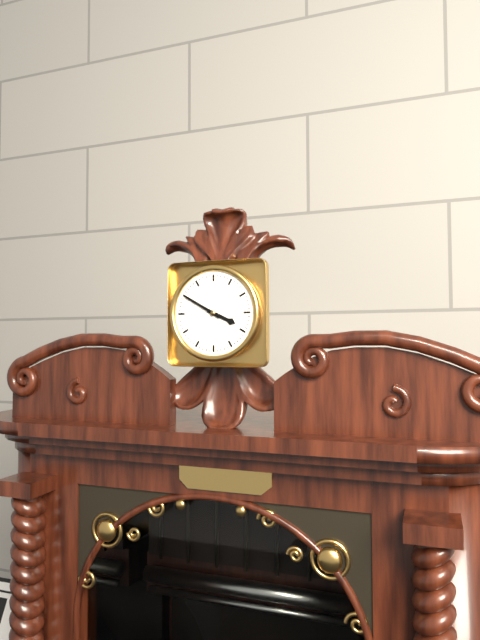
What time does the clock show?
3:50
